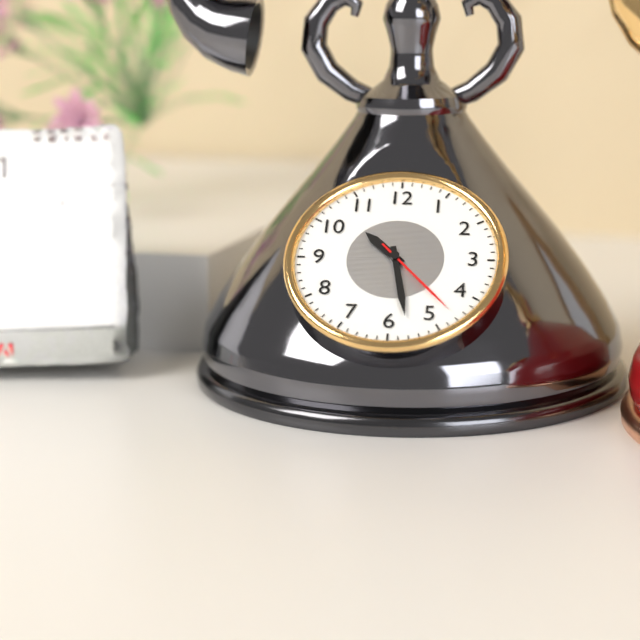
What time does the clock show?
10:28:23
